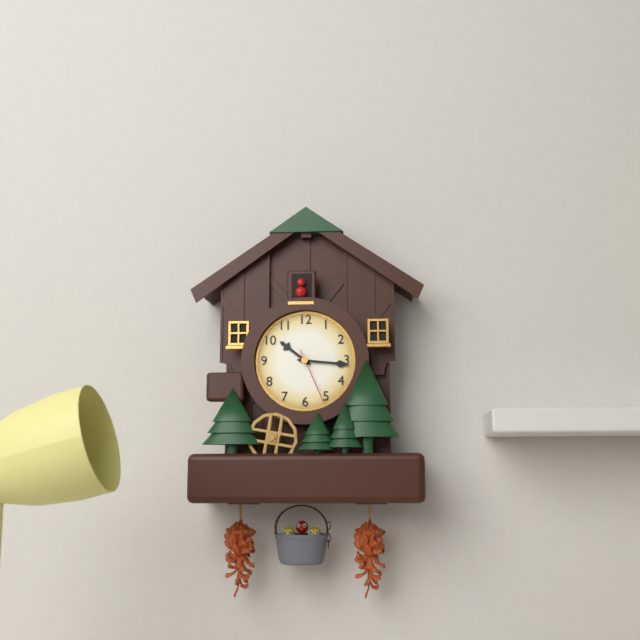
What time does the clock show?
10:16:26
